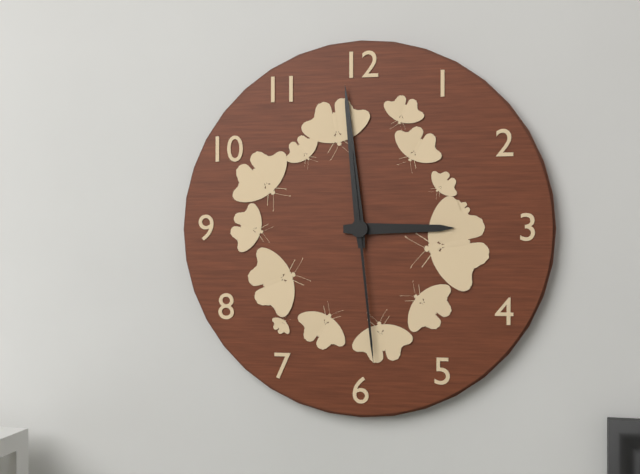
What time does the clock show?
2:59:29
